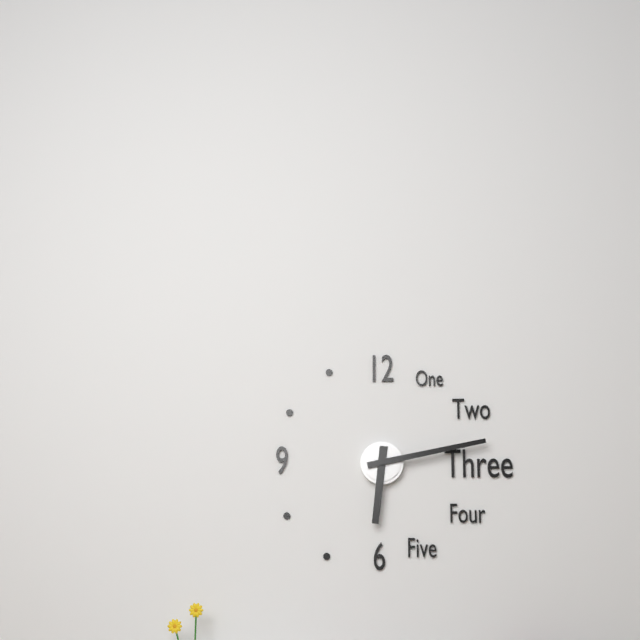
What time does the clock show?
6:13
